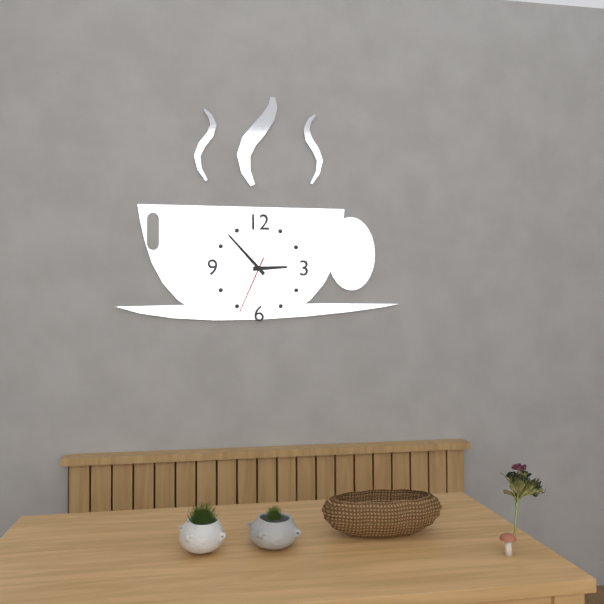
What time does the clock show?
2:53:34
